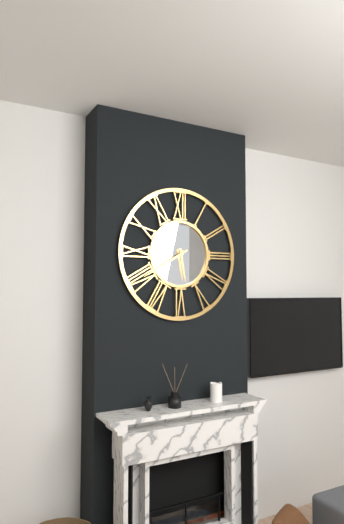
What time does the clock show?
5:40
